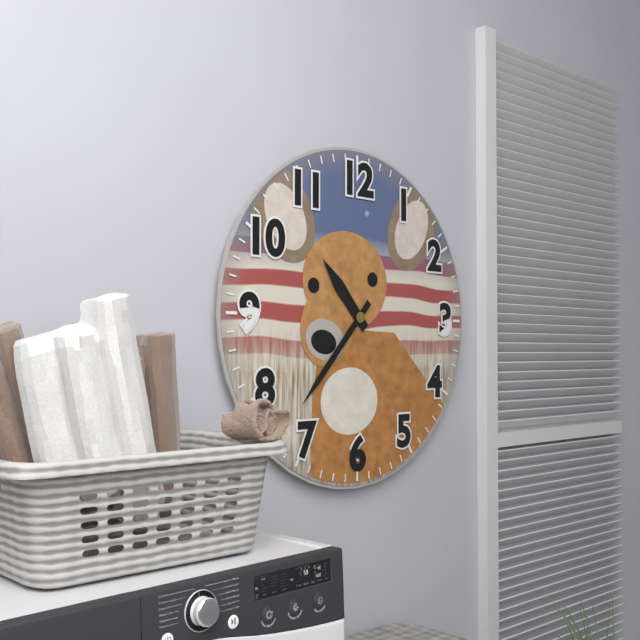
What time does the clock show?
10:37
